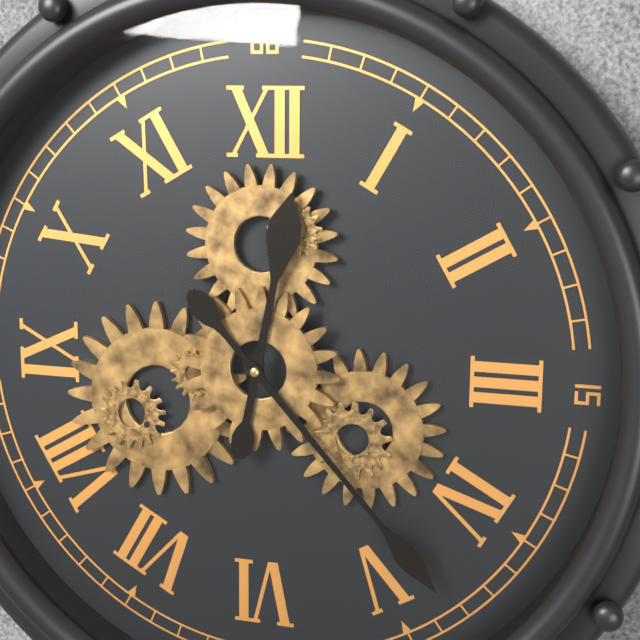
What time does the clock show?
12:23
